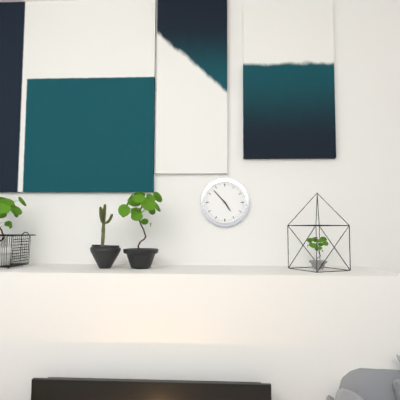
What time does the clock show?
4:53
